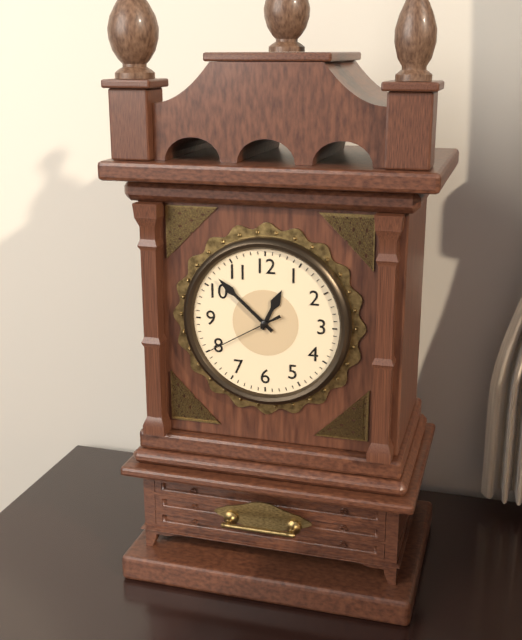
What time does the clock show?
12:52:40
